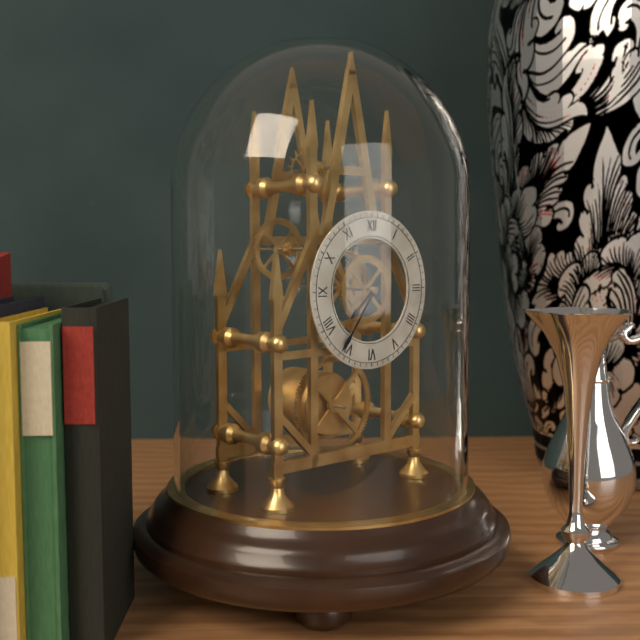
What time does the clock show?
7:36
